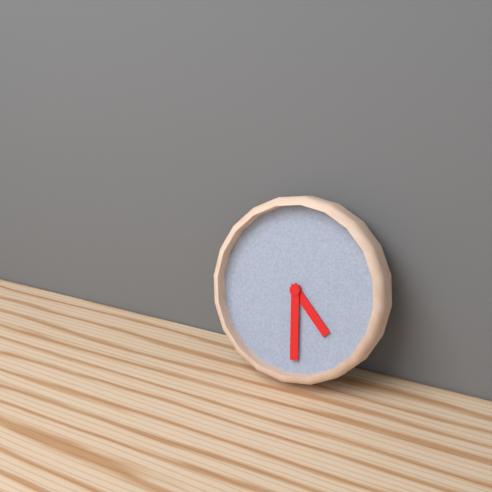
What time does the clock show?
4:29
